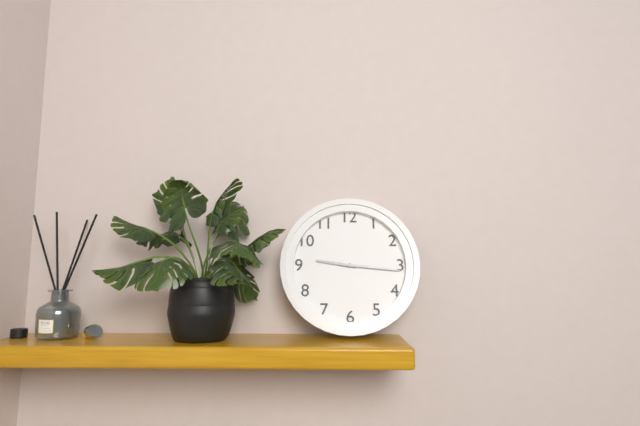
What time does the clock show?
9:16
